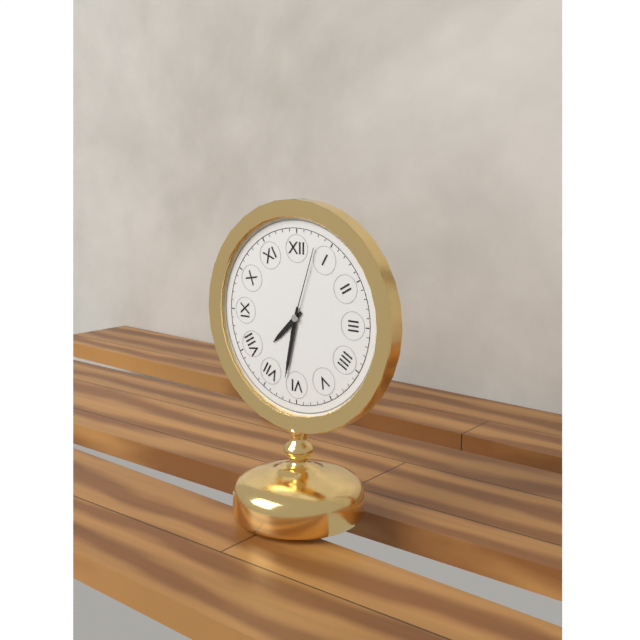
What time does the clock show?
7:32:03
